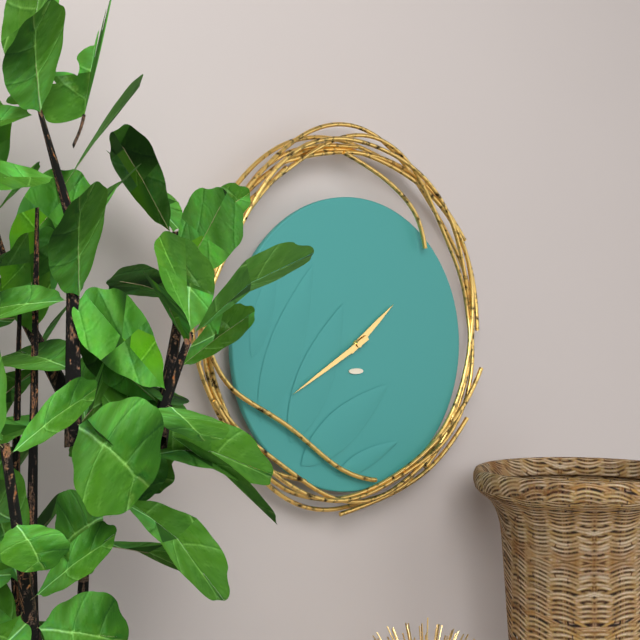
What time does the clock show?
1:40
